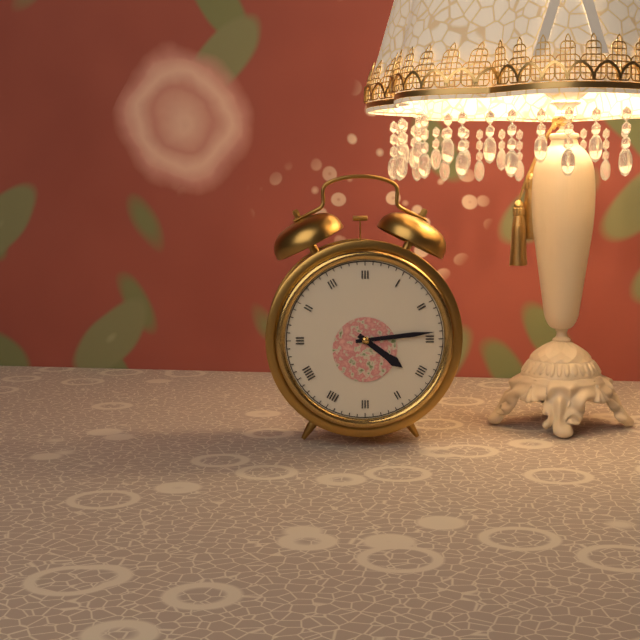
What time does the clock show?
4:14
